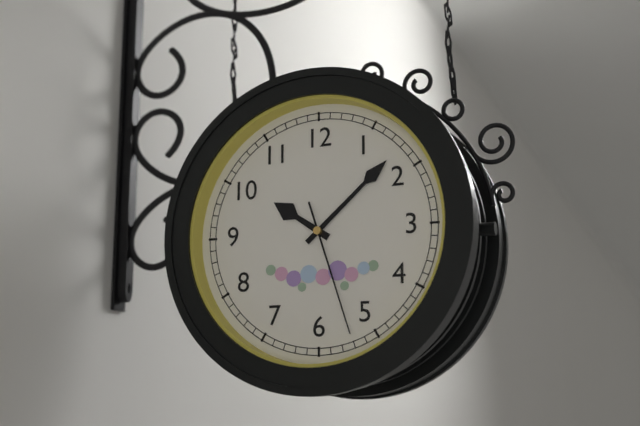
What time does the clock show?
10:08:27
